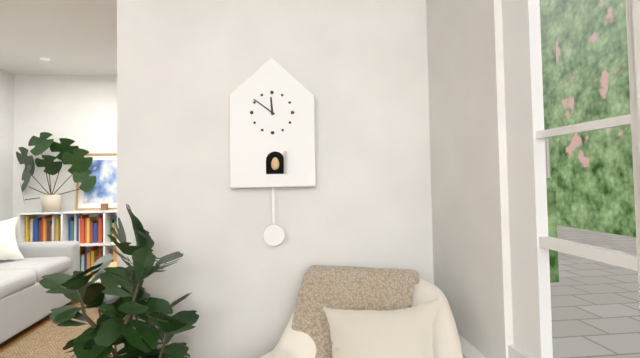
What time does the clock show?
11:51
